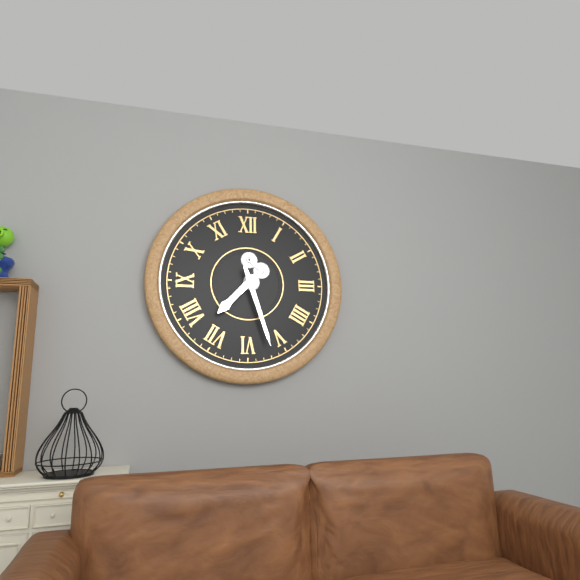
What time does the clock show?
7:27
